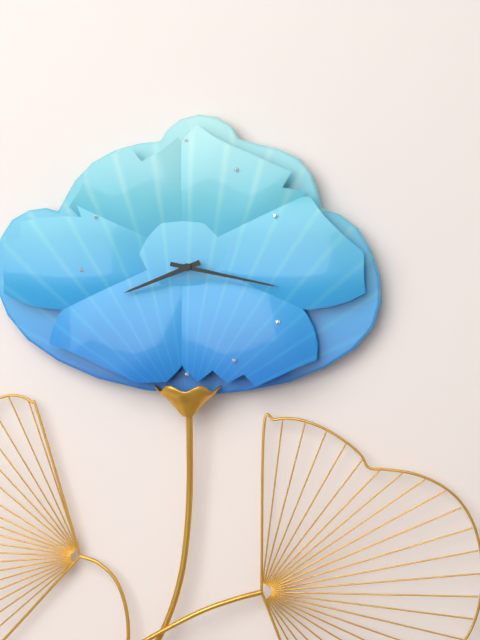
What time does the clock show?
8:17
